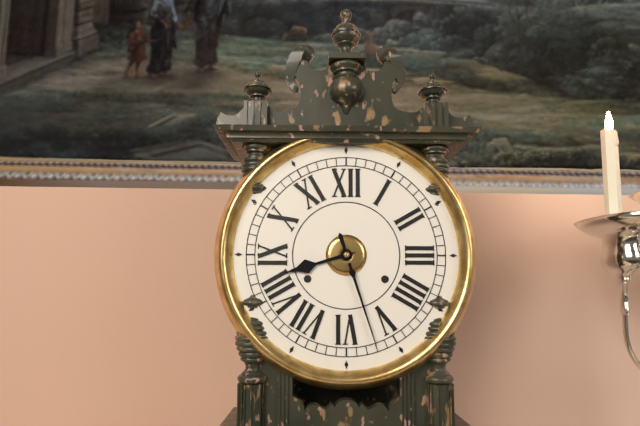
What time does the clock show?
8:27
